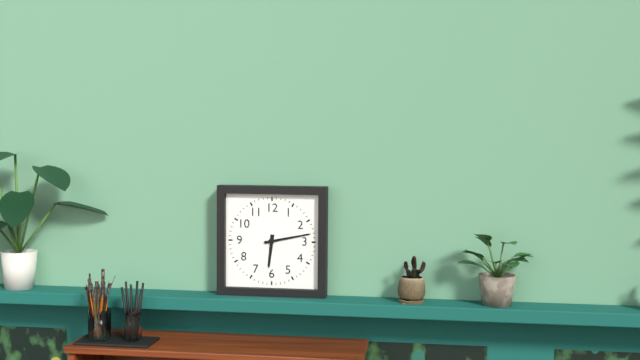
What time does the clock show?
6:13
